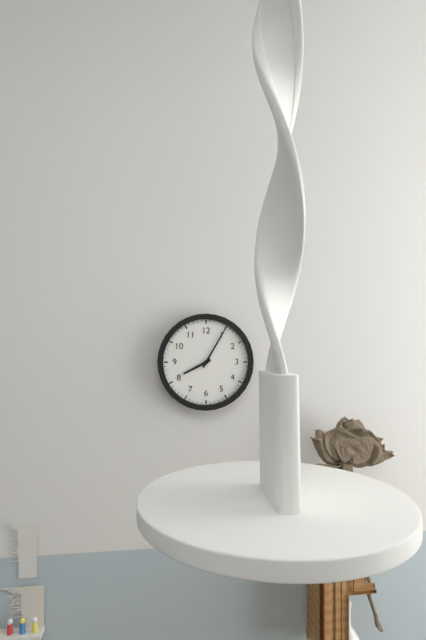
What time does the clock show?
8:05
